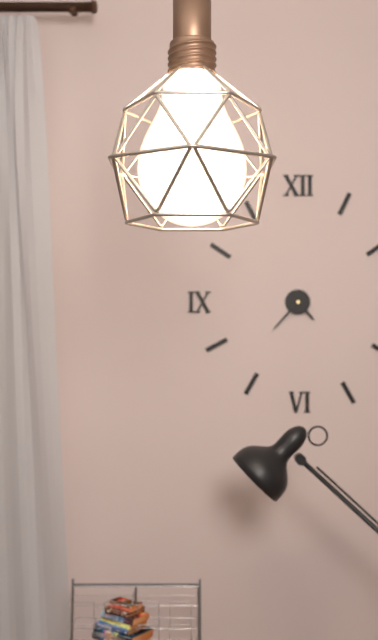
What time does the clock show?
4:37
